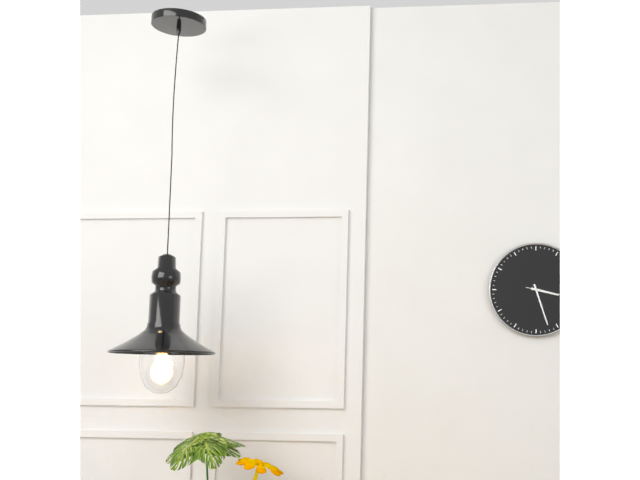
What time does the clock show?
3:27
